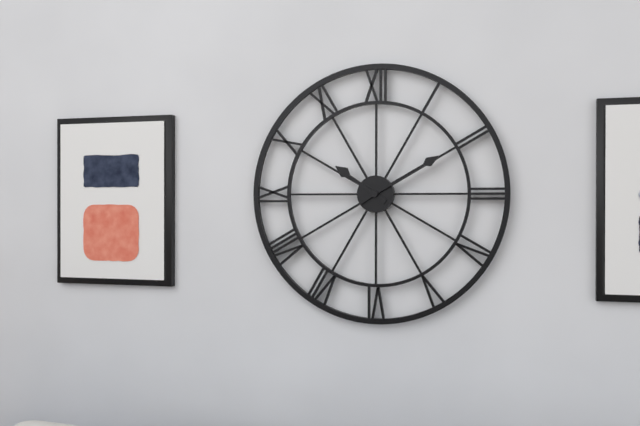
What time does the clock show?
10:10
